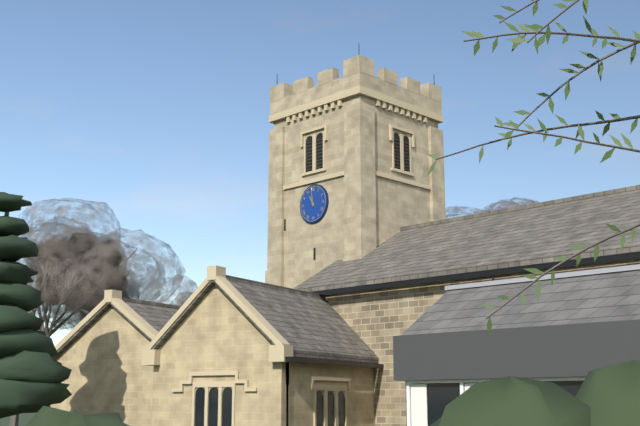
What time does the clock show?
10:59
